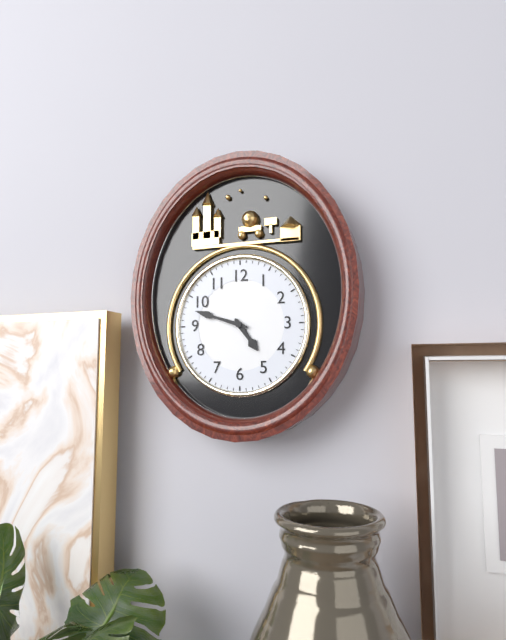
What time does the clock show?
4:48
